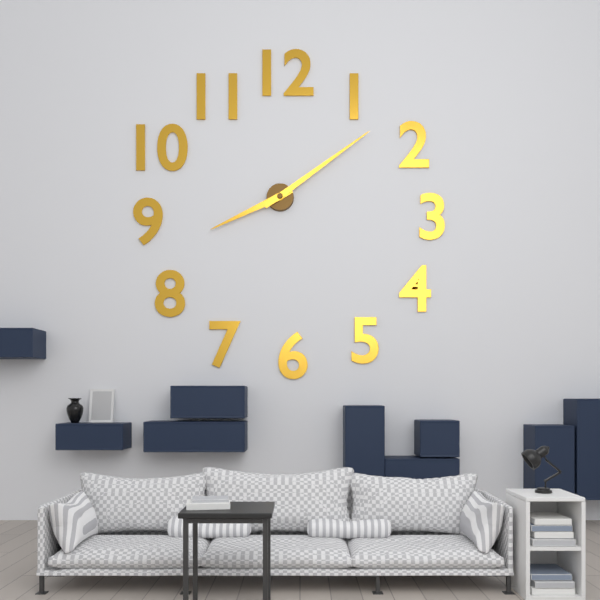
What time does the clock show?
8:09
